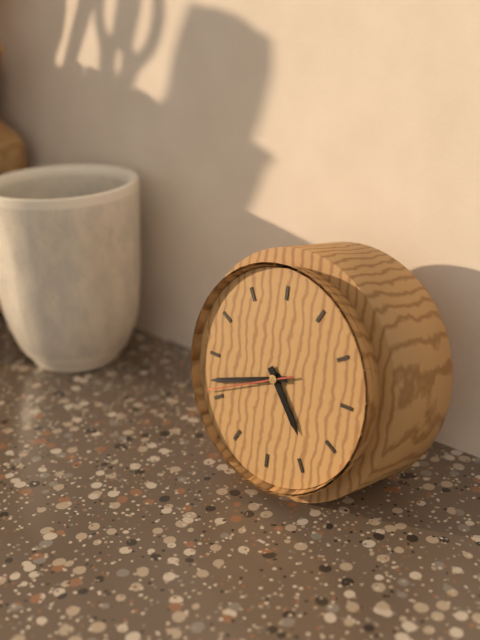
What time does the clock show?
4:42:41
